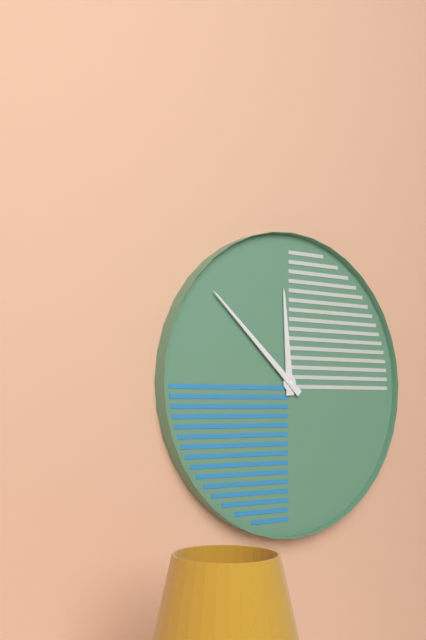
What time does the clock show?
11:52
